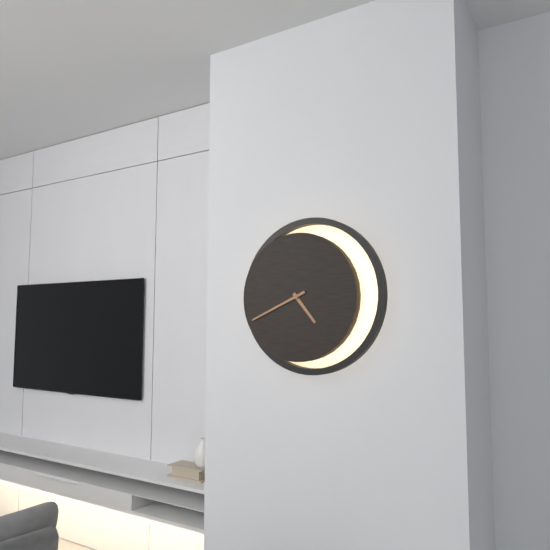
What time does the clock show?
4:41
